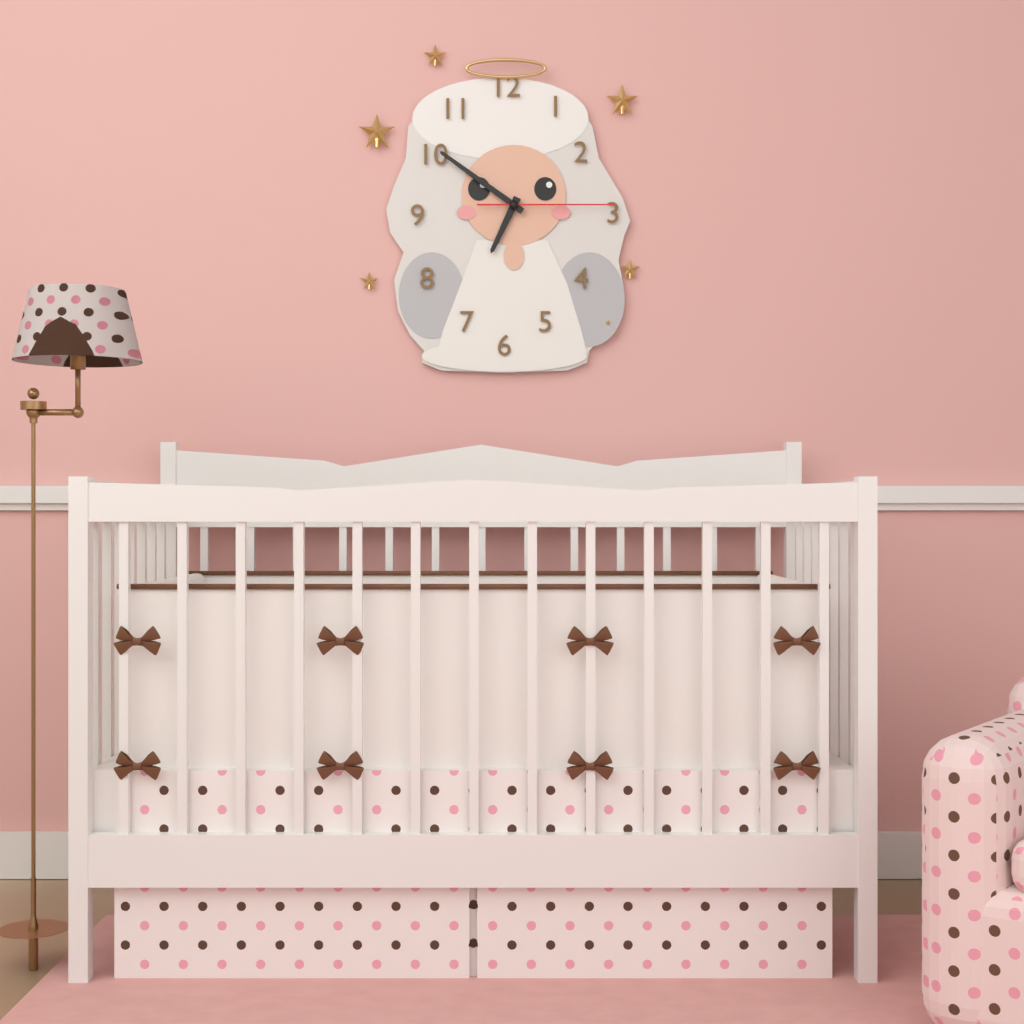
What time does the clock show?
6:51:15
